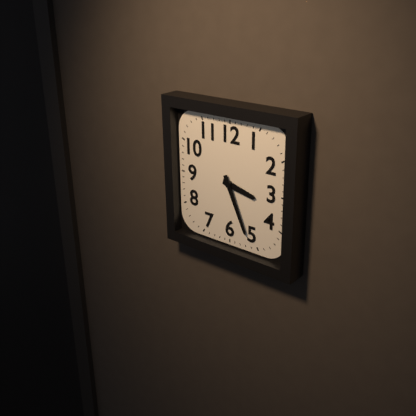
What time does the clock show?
3:26
